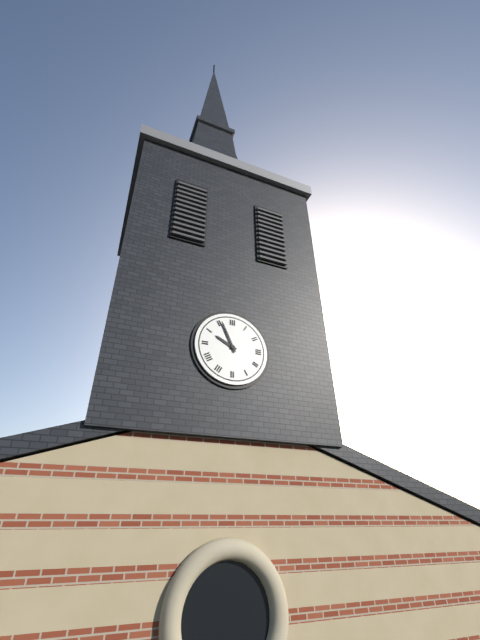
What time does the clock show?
9:56
